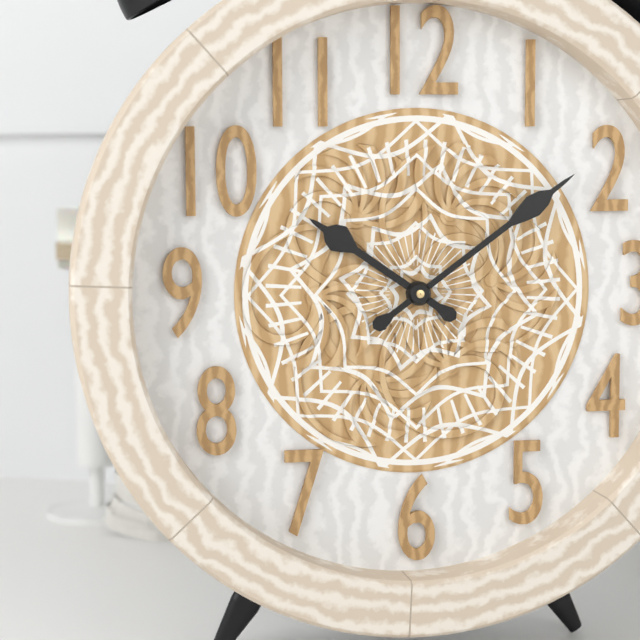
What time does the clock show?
10:09
